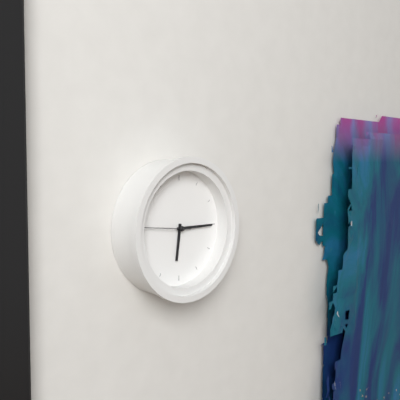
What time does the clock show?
6:15
